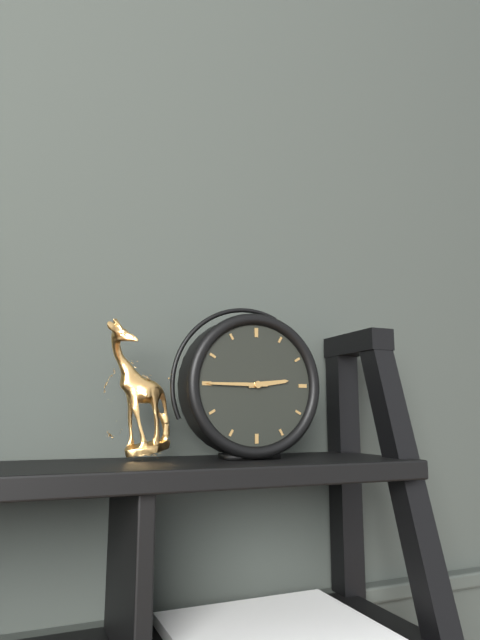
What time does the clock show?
2:45
